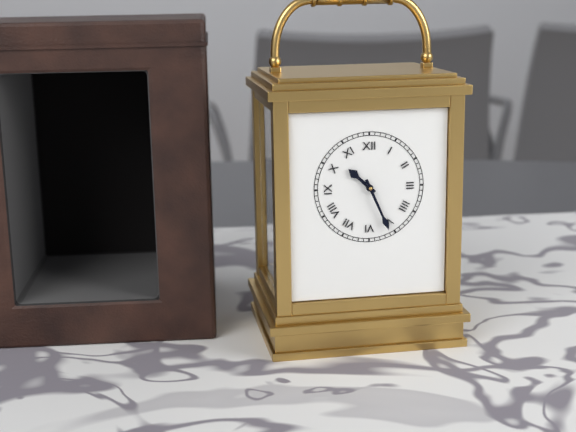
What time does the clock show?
10:26
